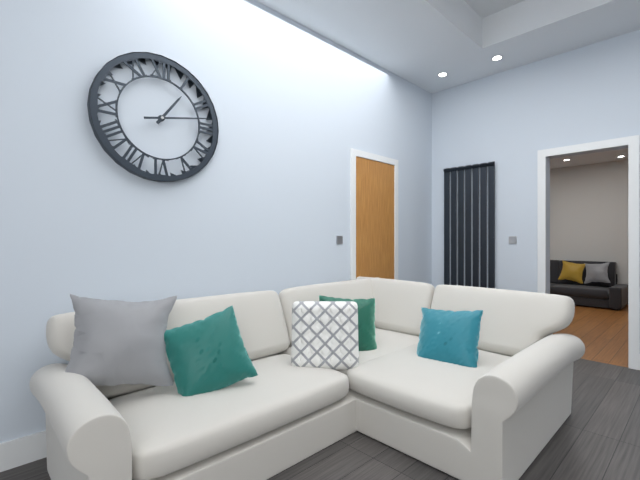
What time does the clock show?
1:13
